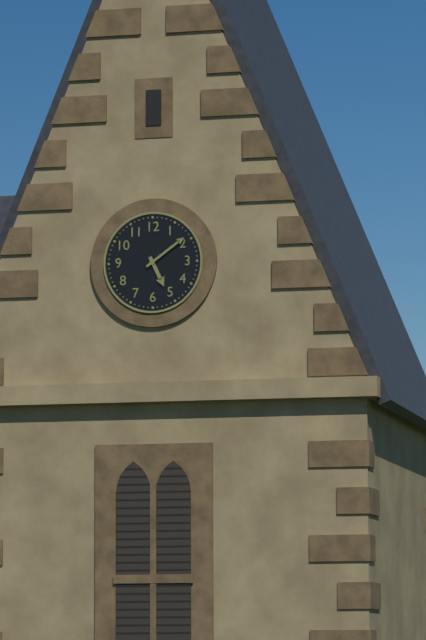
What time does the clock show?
5:09
